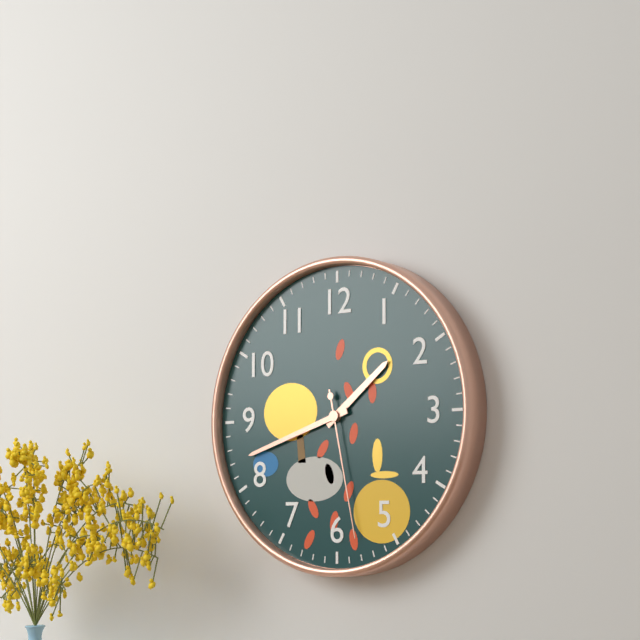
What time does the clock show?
1:42:28
